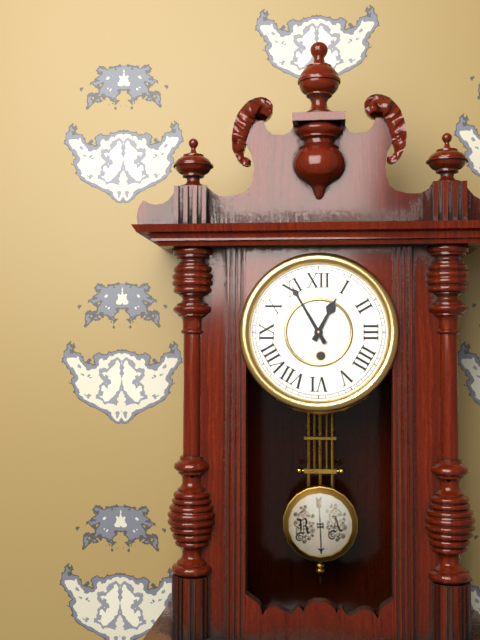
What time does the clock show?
12:55
